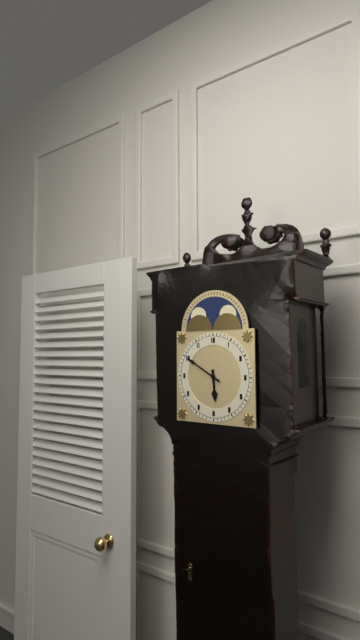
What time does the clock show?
5:50
